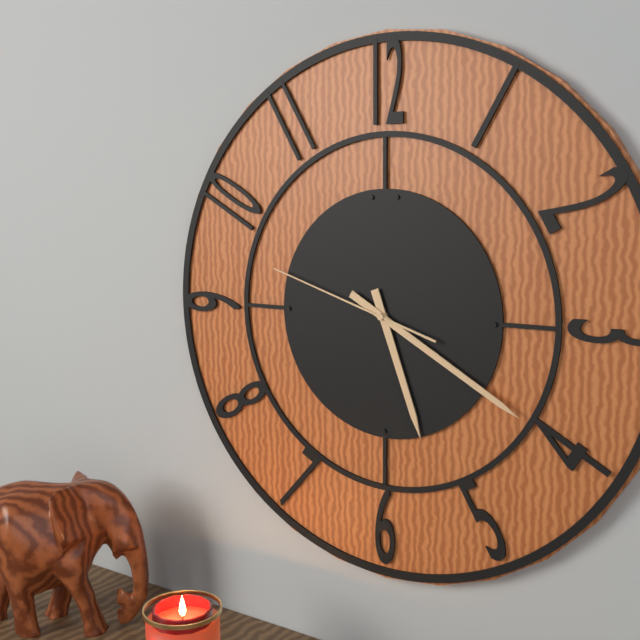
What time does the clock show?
5:20:48
